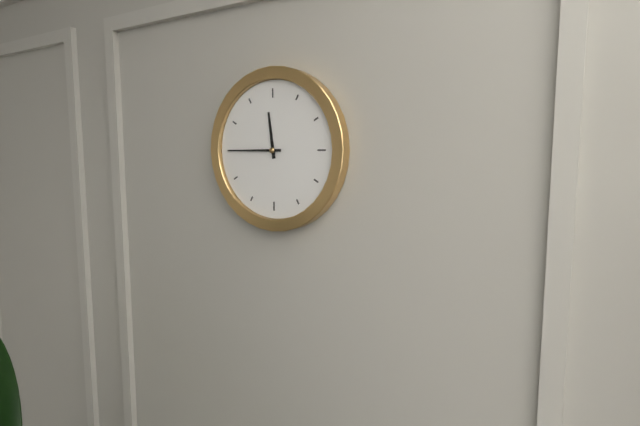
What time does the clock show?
11:45
